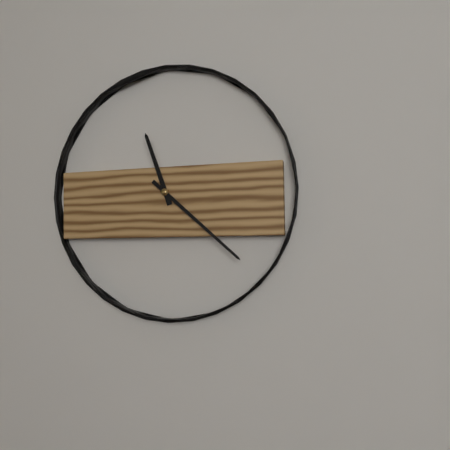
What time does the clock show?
11:22
